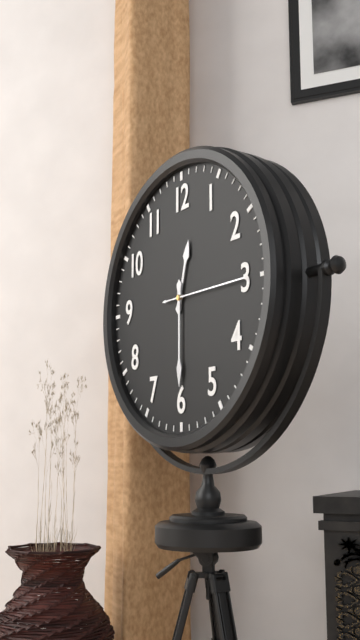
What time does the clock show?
12:30:15
